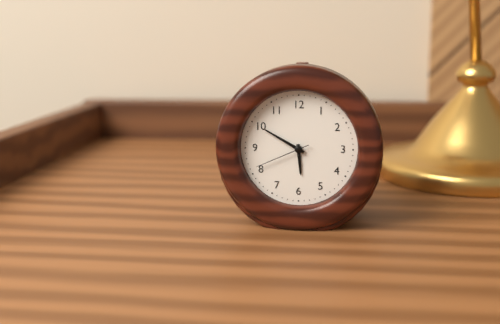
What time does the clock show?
5:50:41
